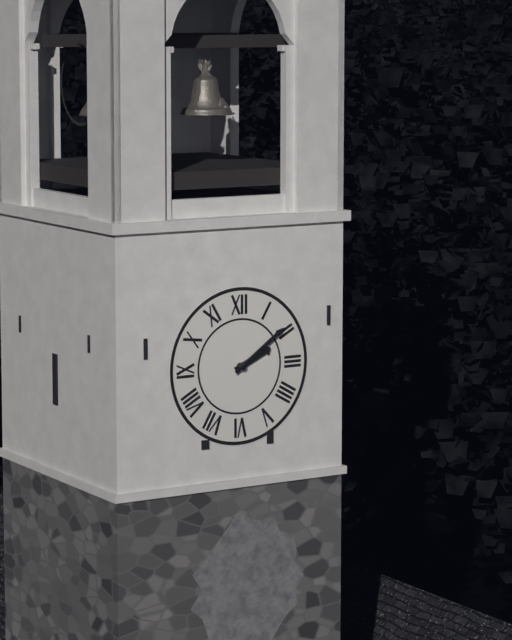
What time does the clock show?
2:09
